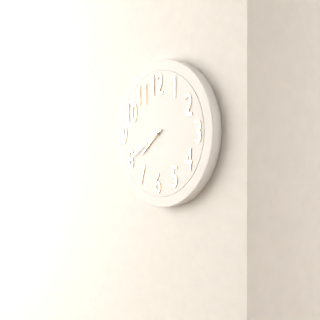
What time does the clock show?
7:40
